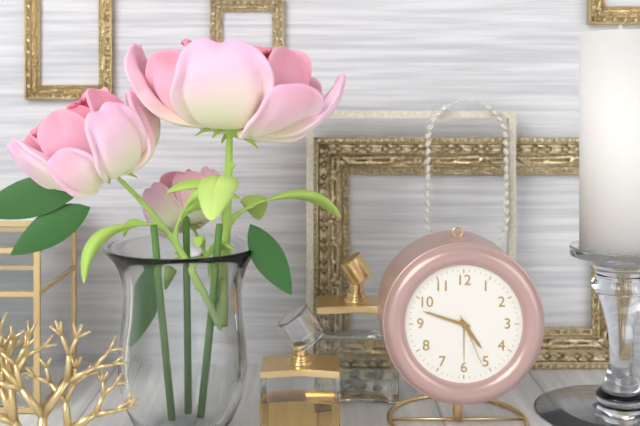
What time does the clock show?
4:48:26
